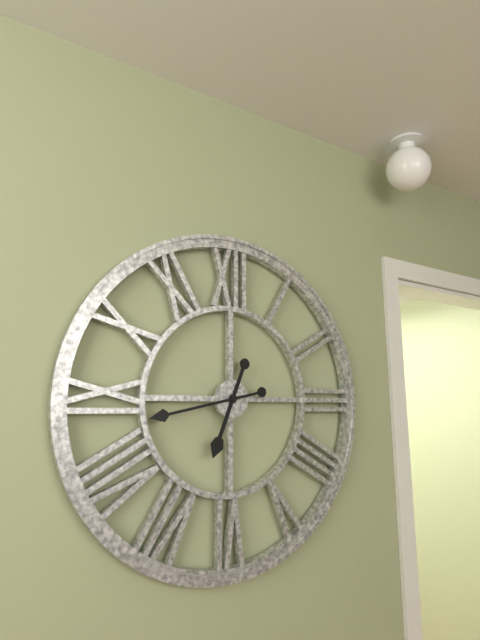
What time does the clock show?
6:43
